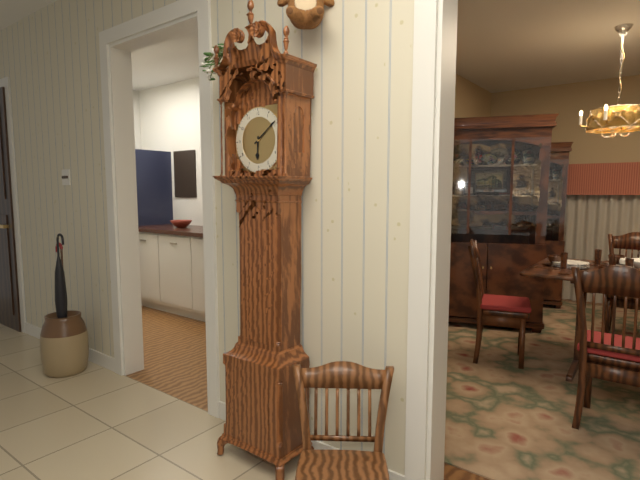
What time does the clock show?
6:09
